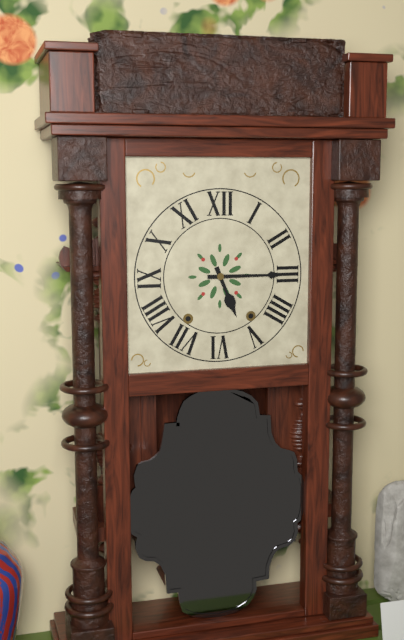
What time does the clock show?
5:15
